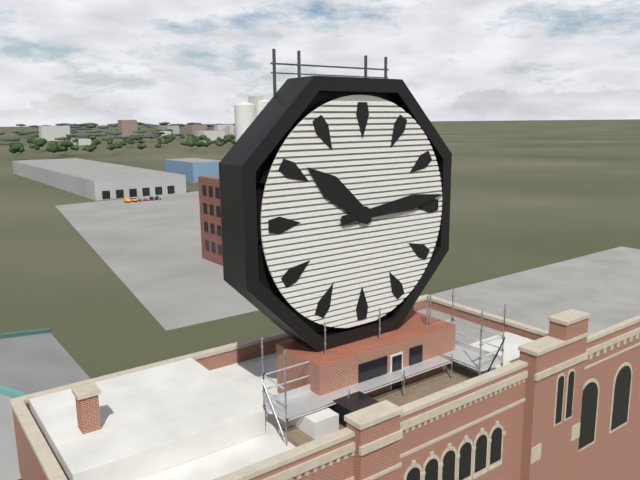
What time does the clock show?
10:14
